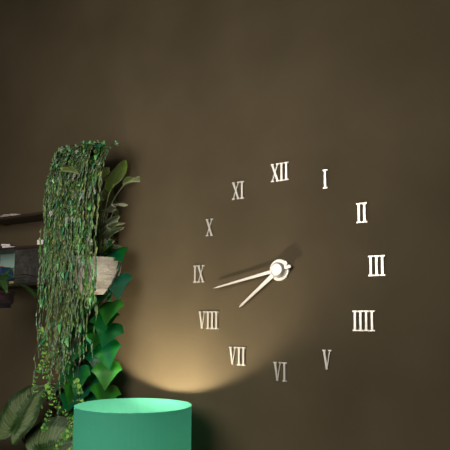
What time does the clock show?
7:43
